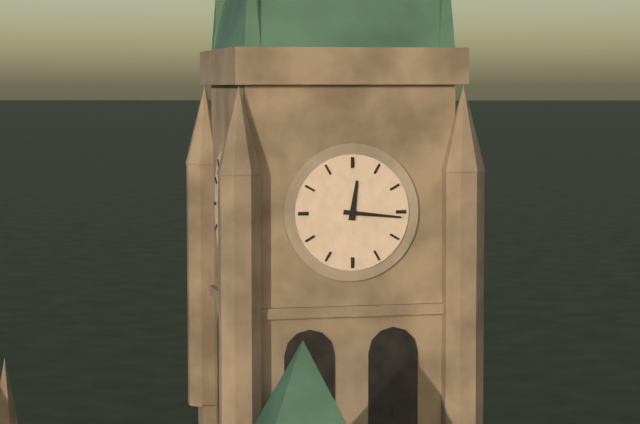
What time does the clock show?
12:16
